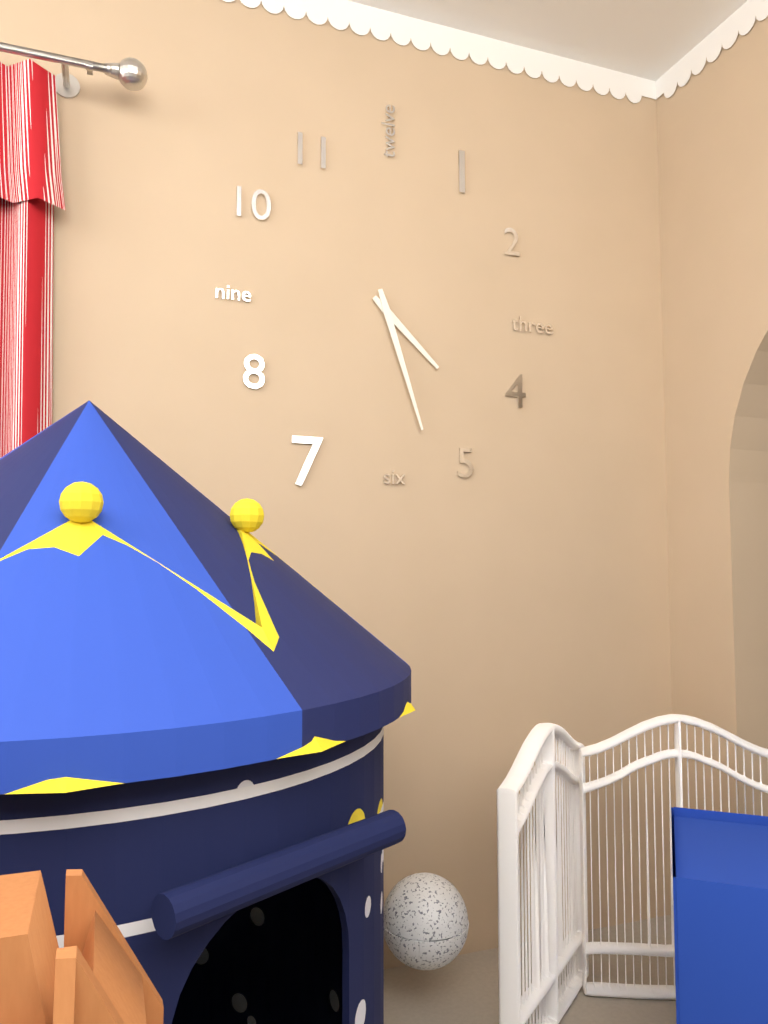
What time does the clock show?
4:27
